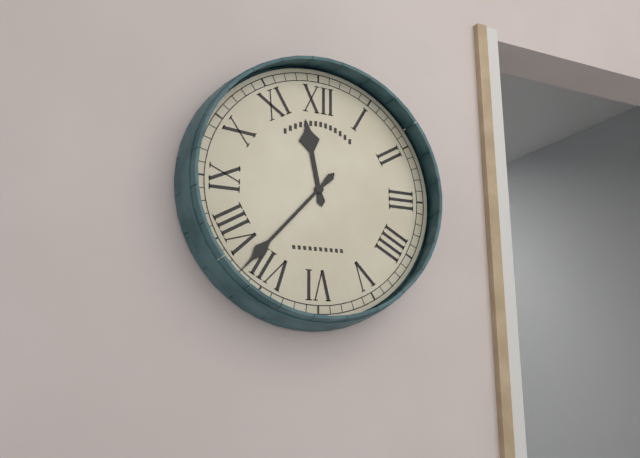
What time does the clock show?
11:37
